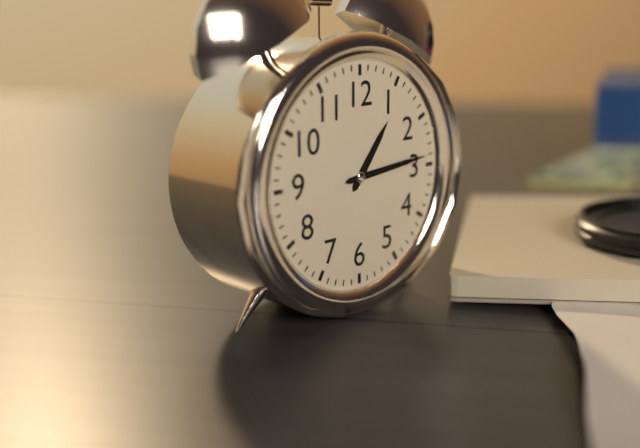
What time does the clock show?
1:14
